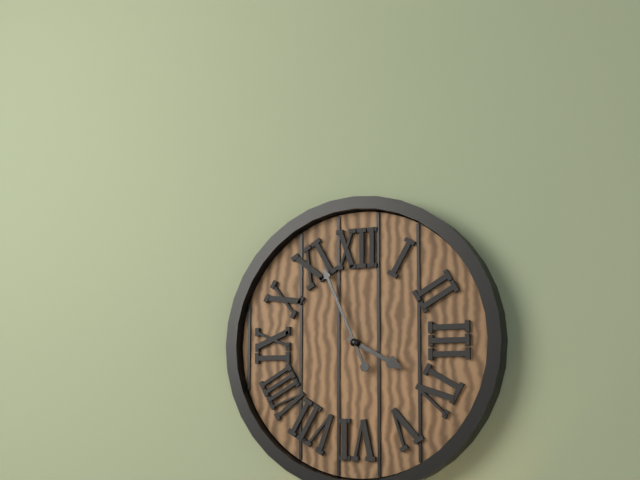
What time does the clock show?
3:56
